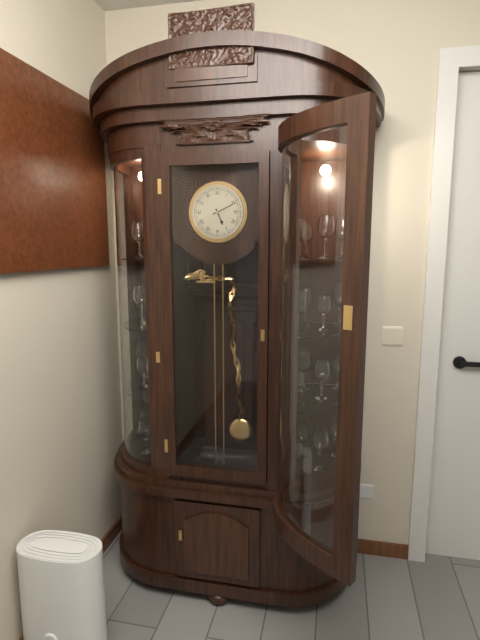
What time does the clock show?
5:11
